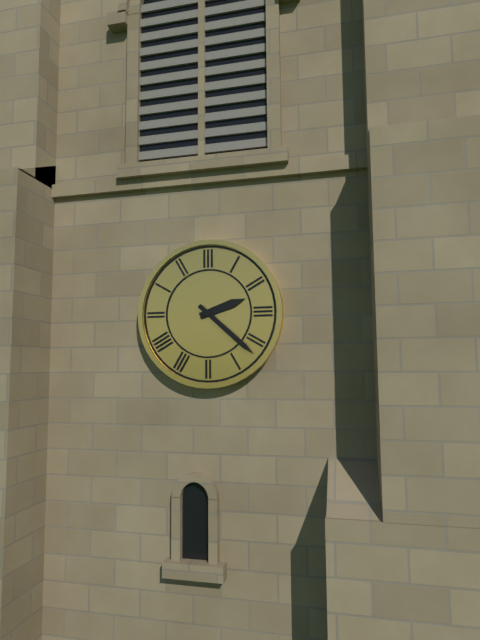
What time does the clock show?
2:22
